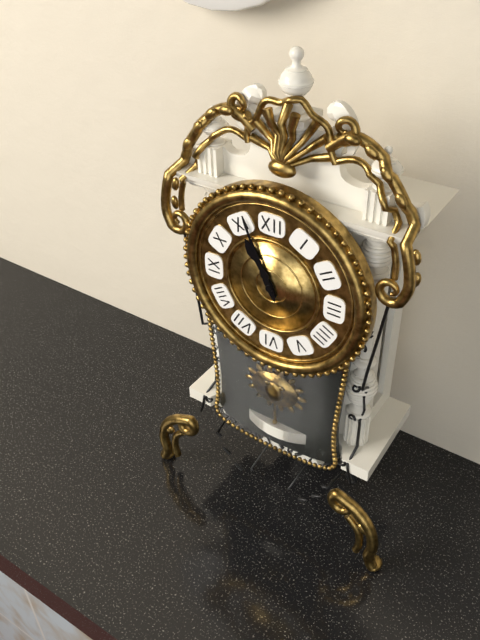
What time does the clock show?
10:56
